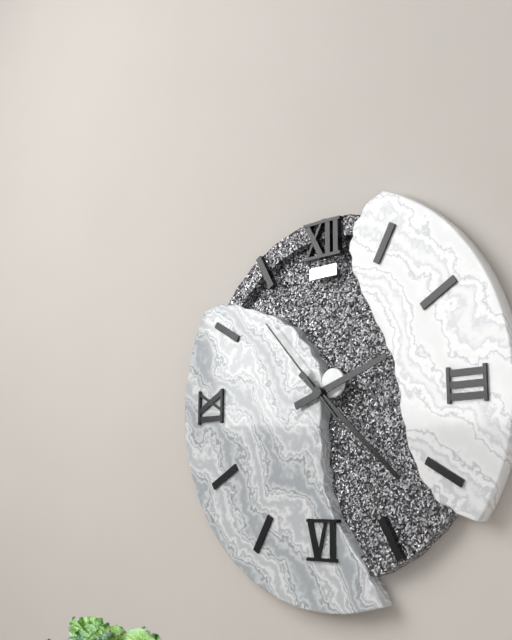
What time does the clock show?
2:22:53
